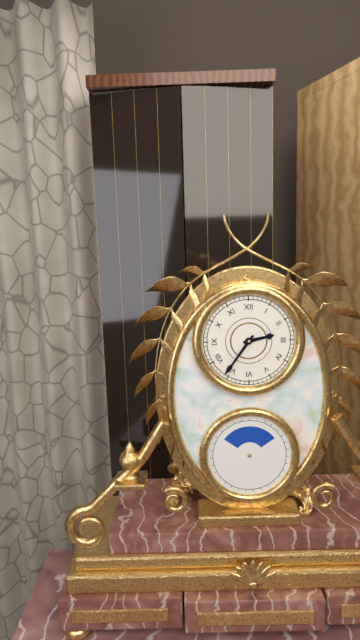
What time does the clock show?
2:36
